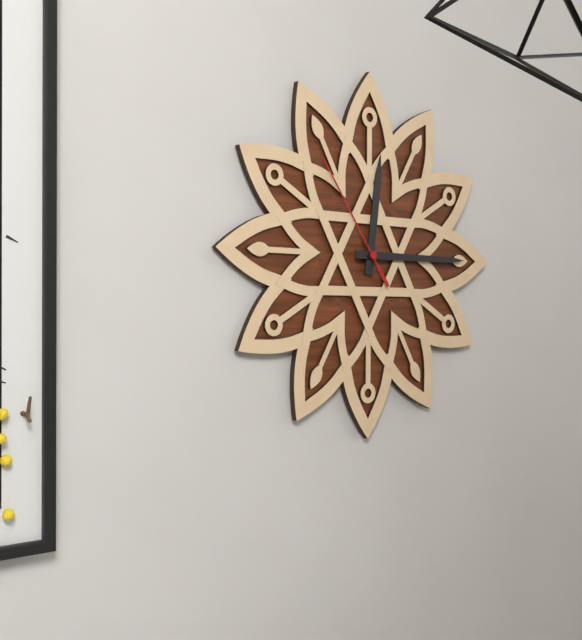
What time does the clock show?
12:15:54
